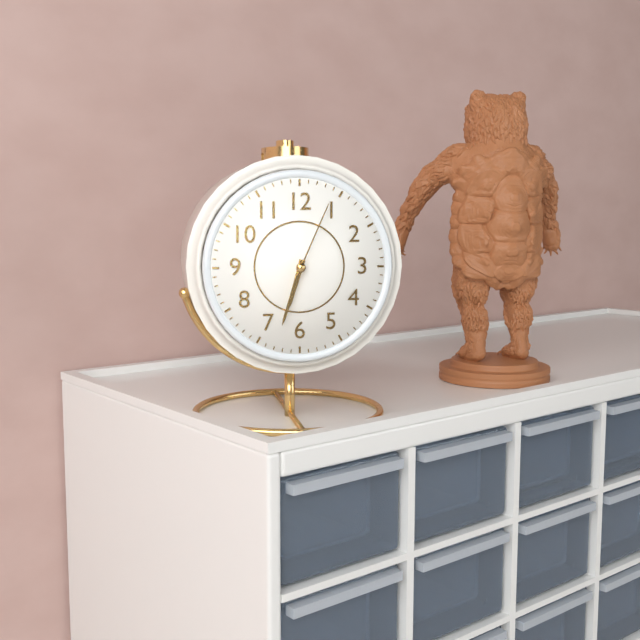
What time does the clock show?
6:33:04
